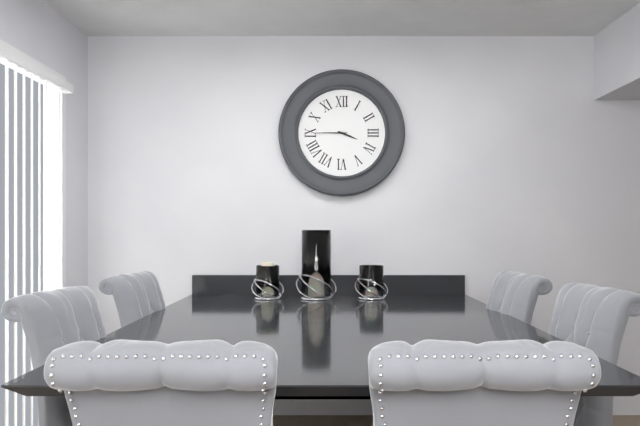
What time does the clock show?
3:45
